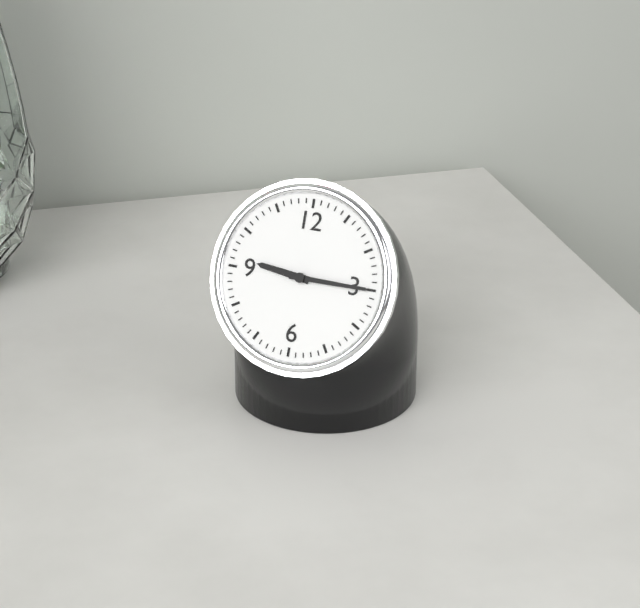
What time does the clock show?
9:15
